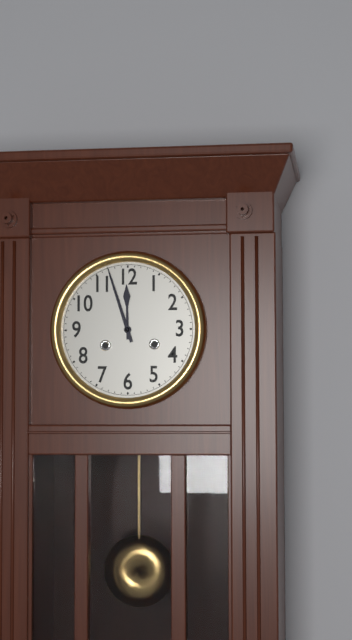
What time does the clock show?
11:57
